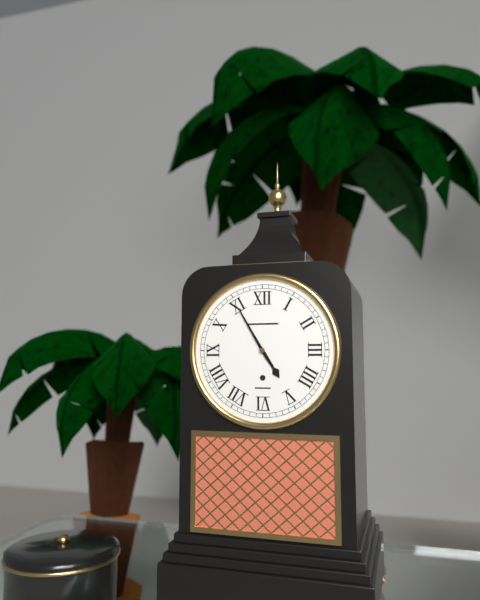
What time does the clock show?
4:55
